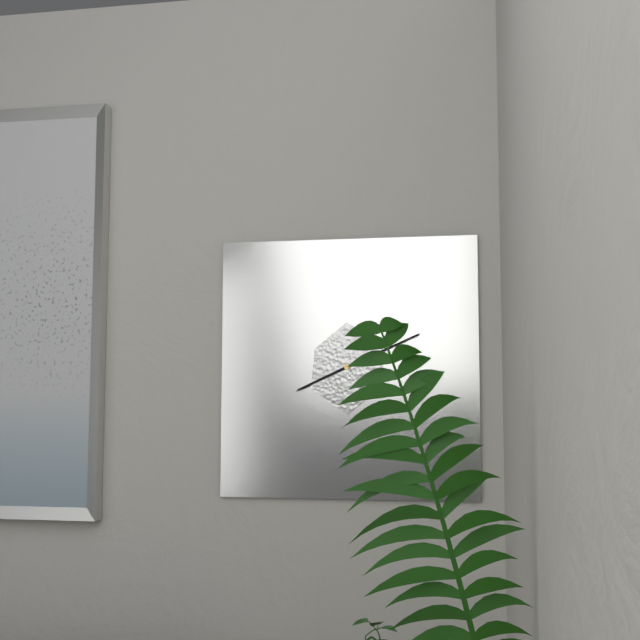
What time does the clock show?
8:11
